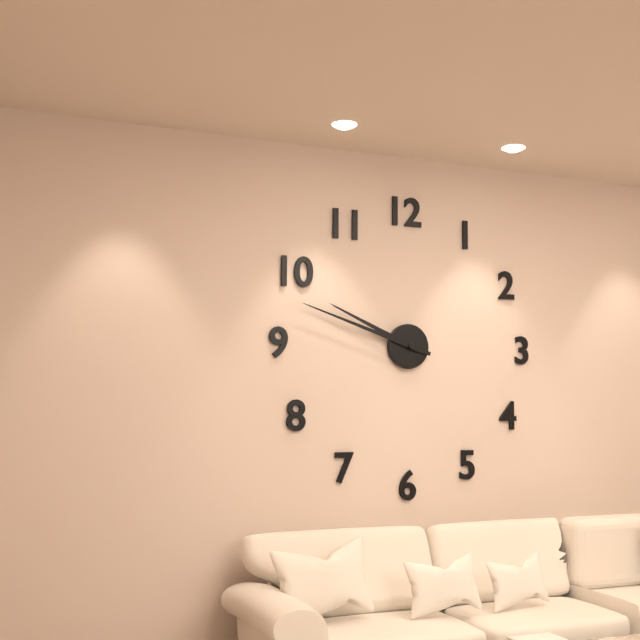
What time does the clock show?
9:48
